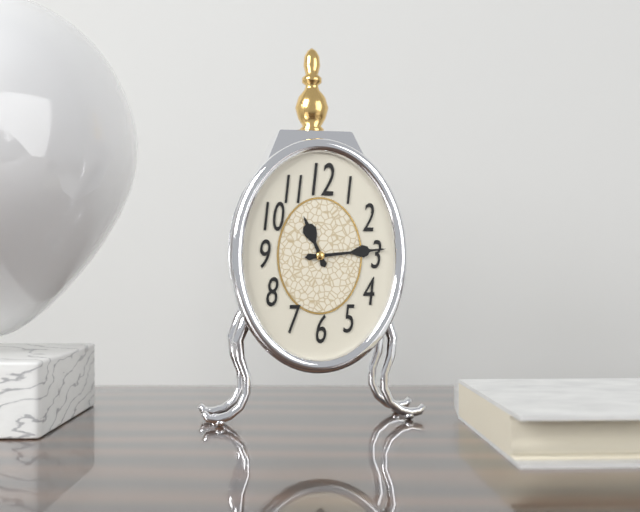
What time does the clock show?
11:14
